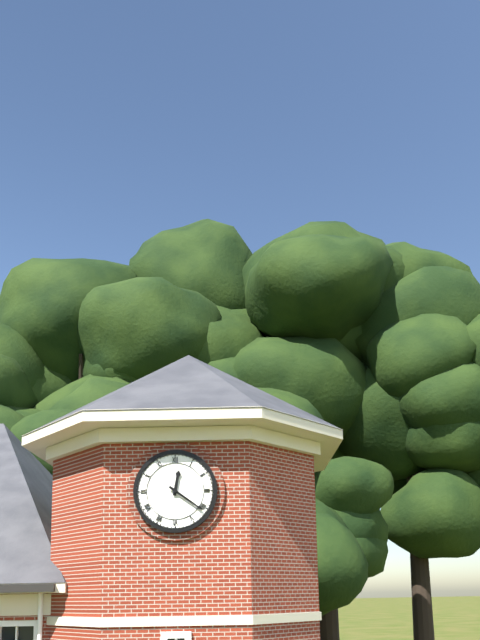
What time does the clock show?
12:21
